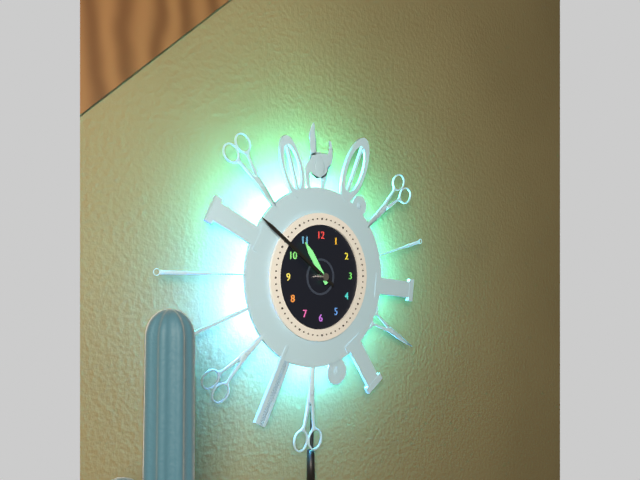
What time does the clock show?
10:51
